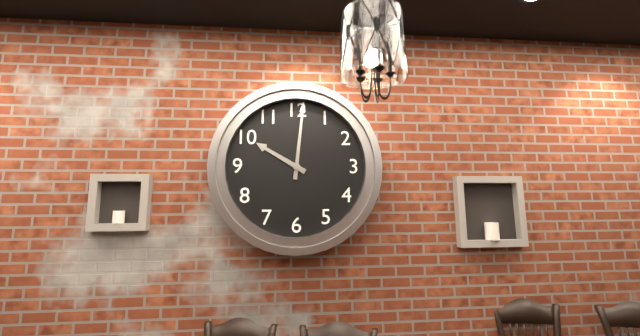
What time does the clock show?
10:01
